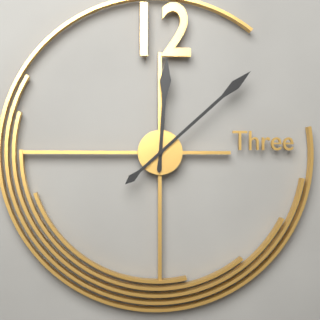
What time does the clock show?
12:08
